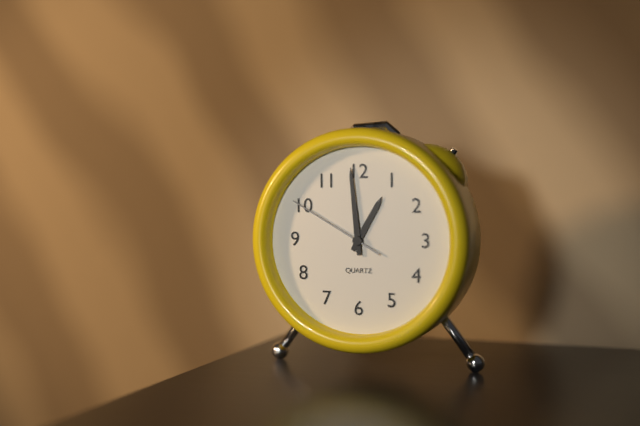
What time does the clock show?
12:59:50
